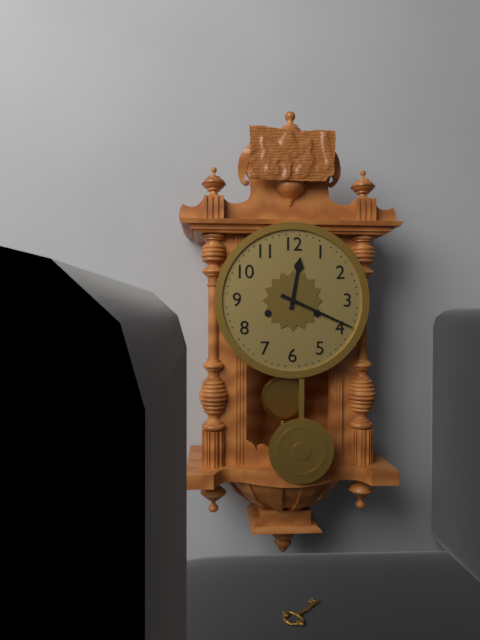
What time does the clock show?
12:19
